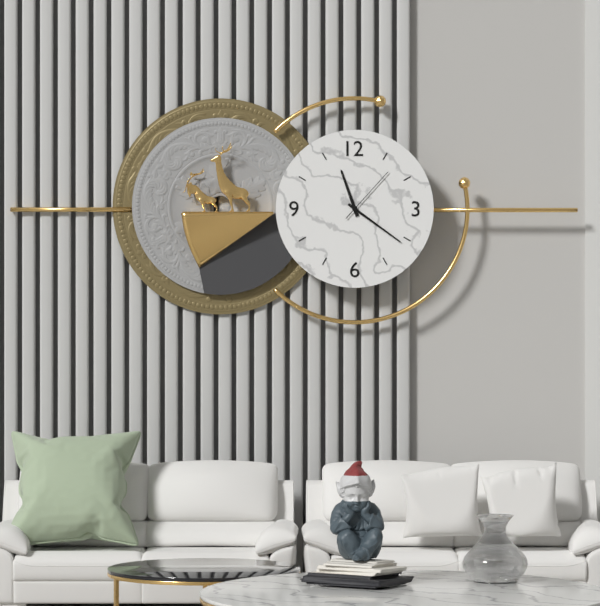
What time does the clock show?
11:21:07
